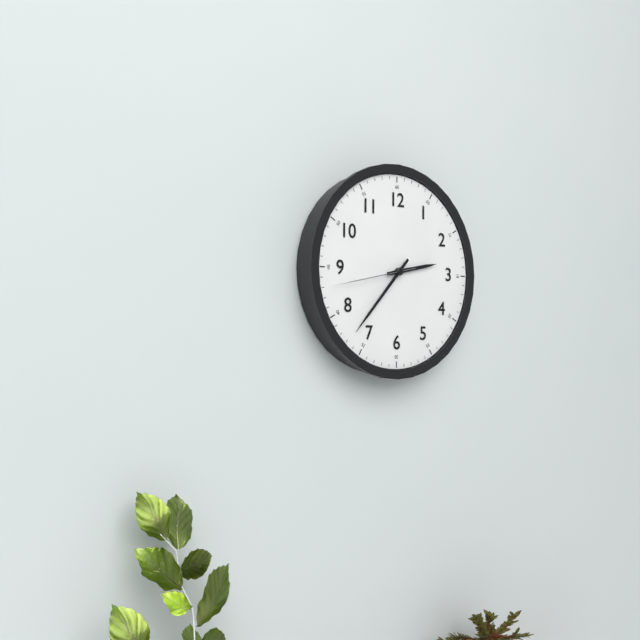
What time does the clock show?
2:37:43
